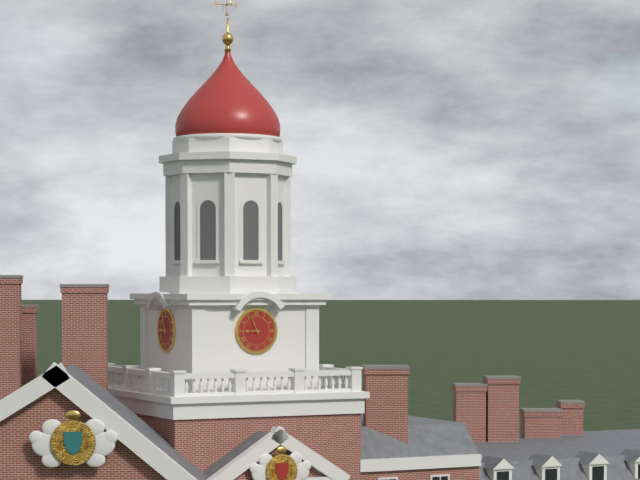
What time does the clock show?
8:56
